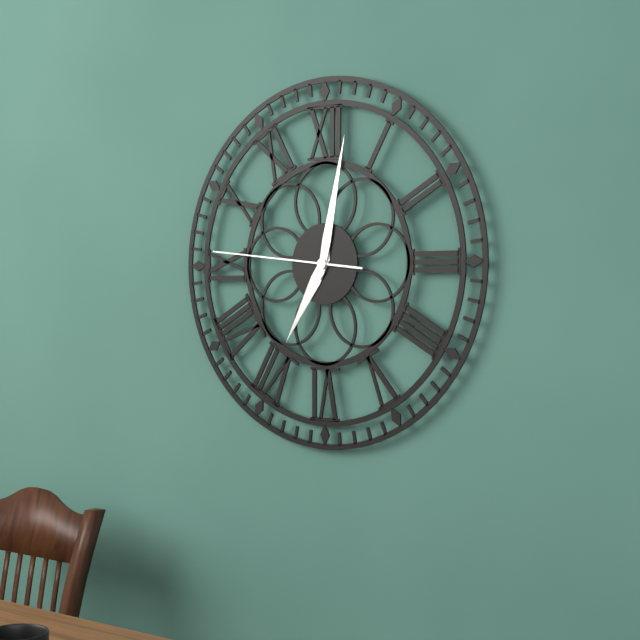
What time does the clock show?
7:02:46
